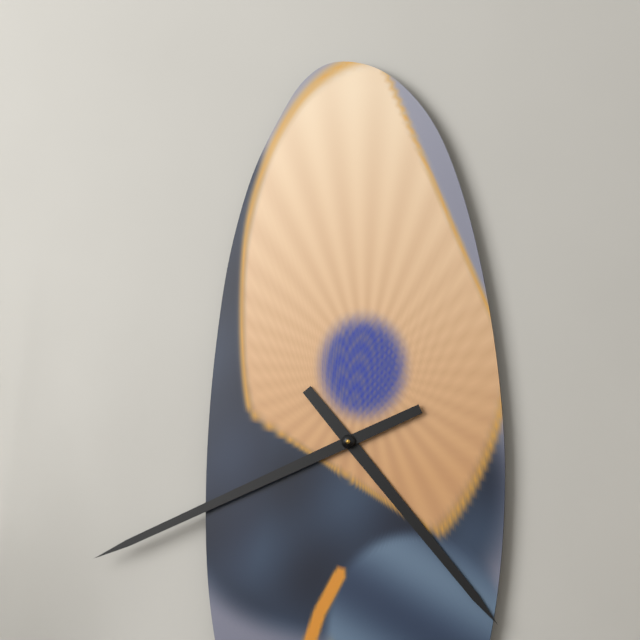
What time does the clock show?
4:41
